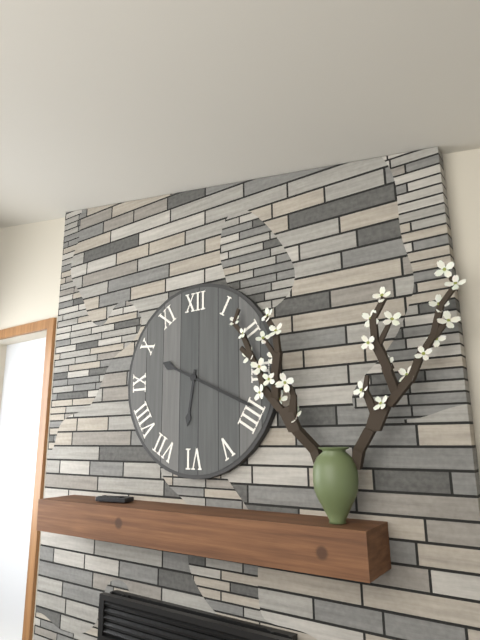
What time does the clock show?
6:19
